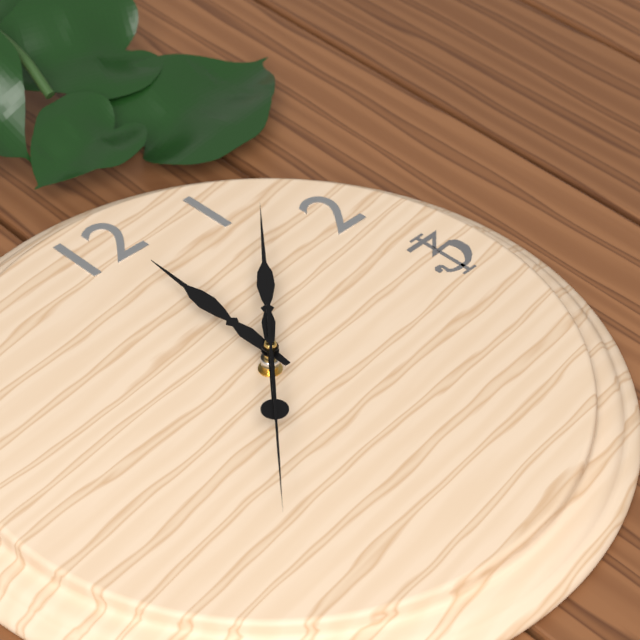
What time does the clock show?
12:07:37
